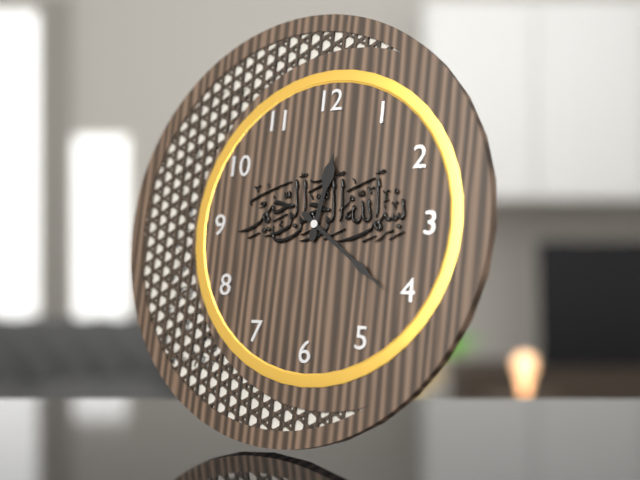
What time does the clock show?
12:21
